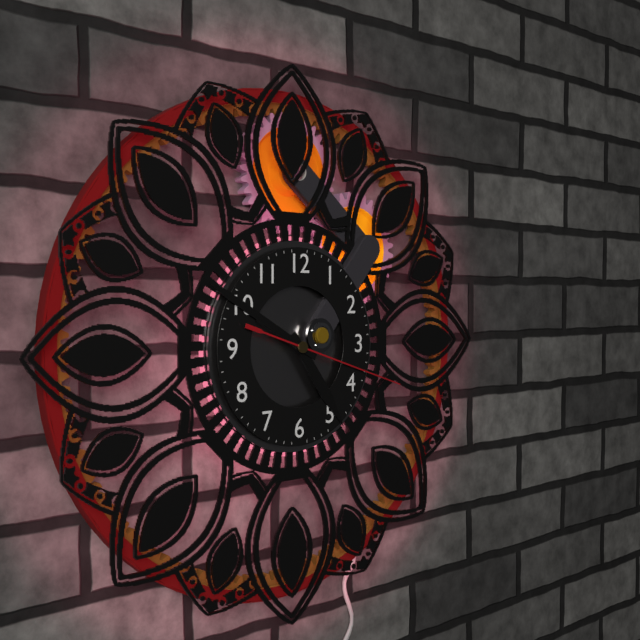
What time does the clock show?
4:50:18
